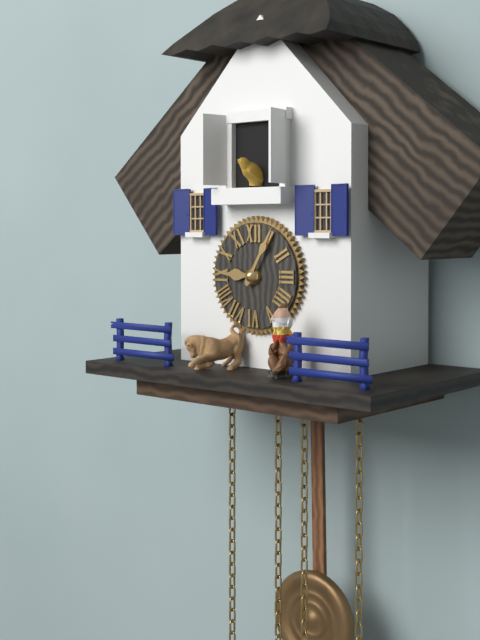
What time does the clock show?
9:05
